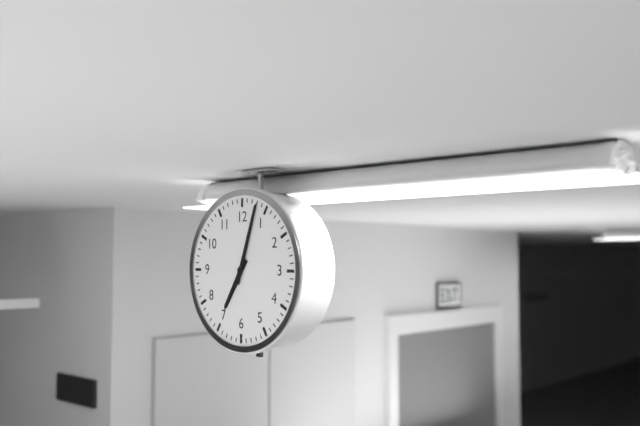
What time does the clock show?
7:03
